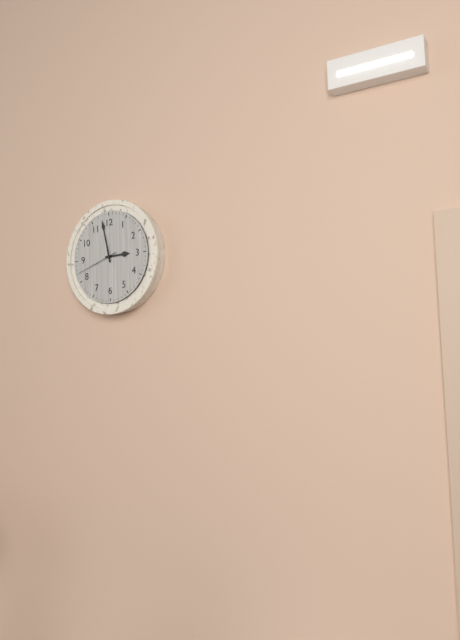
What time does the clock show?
2:58
